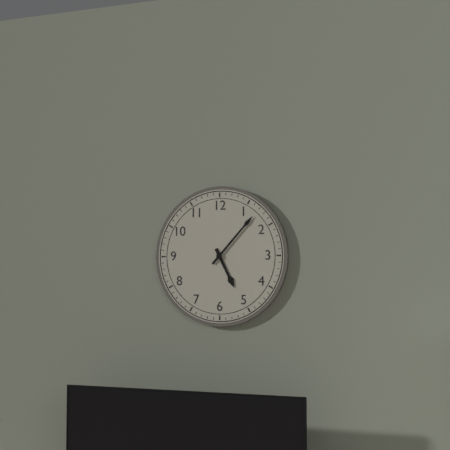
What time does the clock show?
5:07
